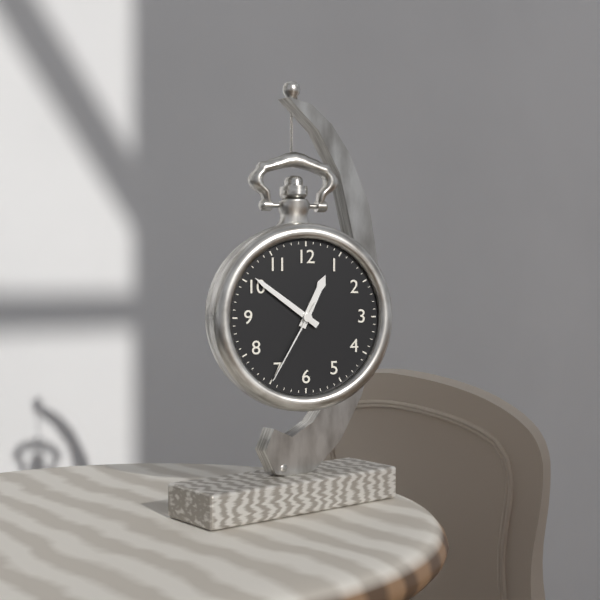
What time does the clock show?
12:51:35
